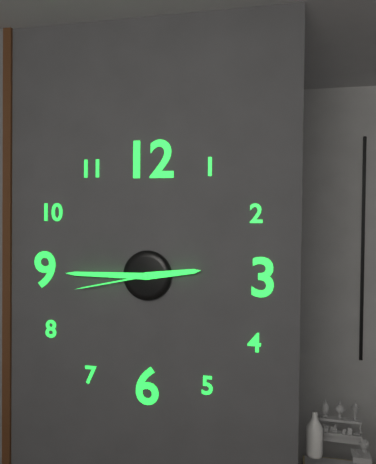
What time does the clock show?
2:45:43
